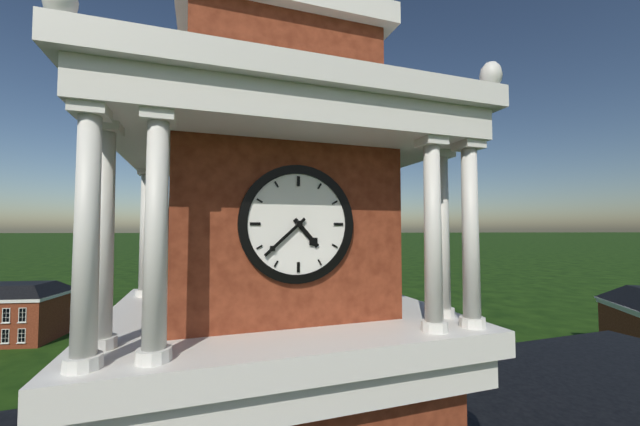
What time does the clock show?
4:38
